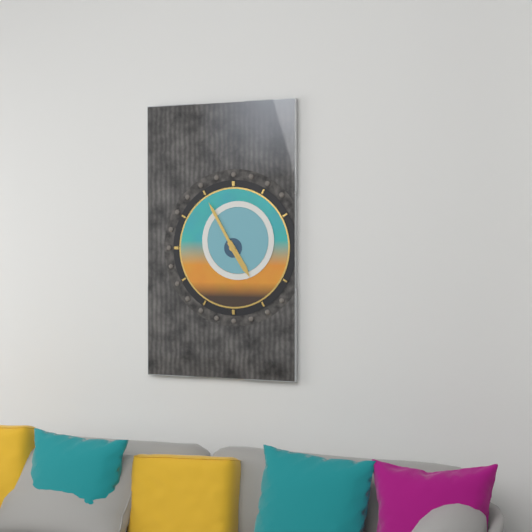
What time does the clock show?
4:55
